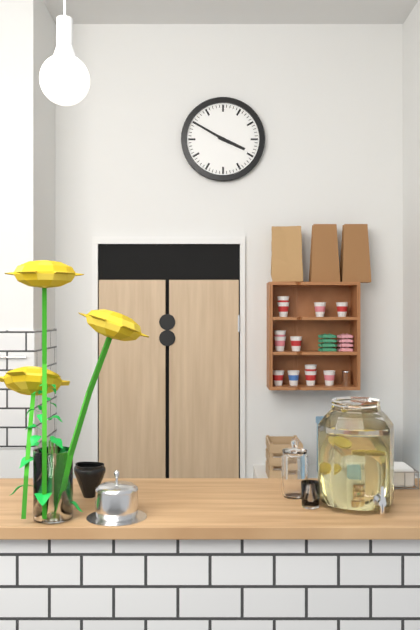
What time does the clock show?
3:50
